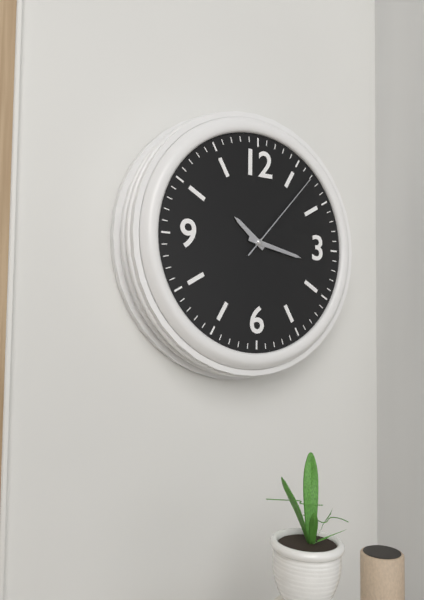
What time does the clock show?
10:17:07
